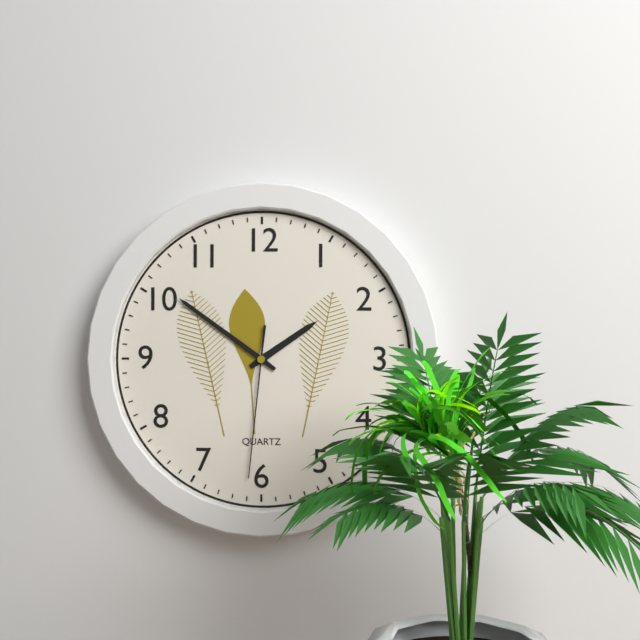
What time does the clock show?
1:51:31
